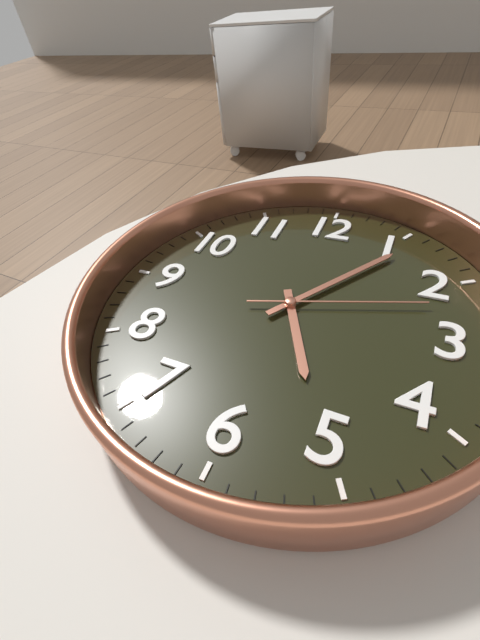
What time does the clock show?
5:06:12
